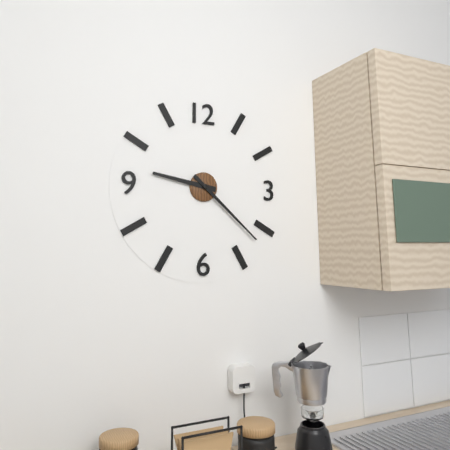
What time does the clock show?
9:22
